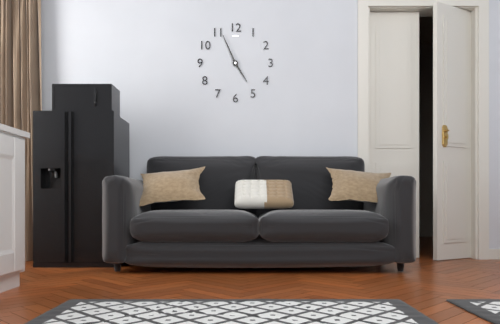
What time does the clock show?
4:56
